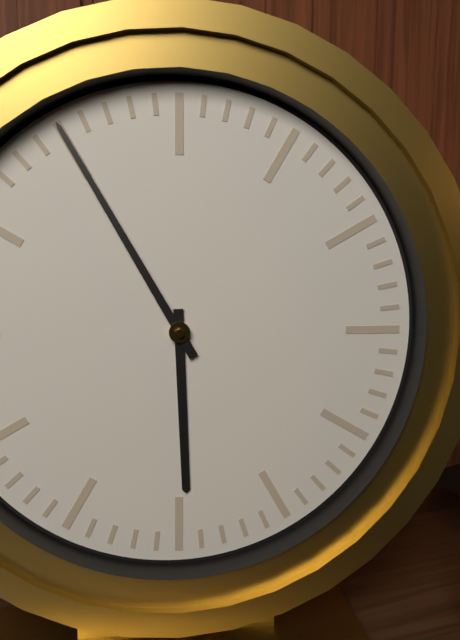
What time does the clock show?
5:55
